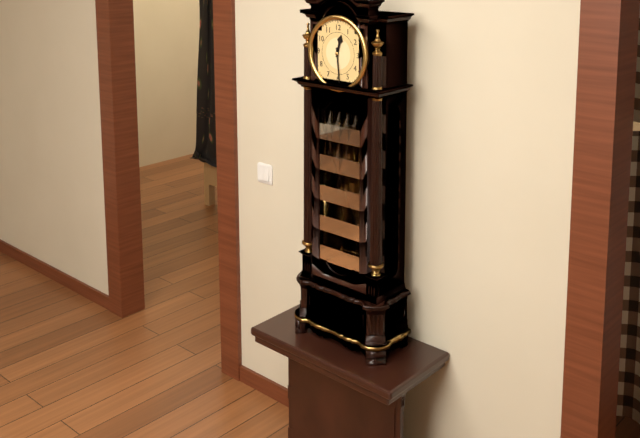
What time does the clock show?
12:29
